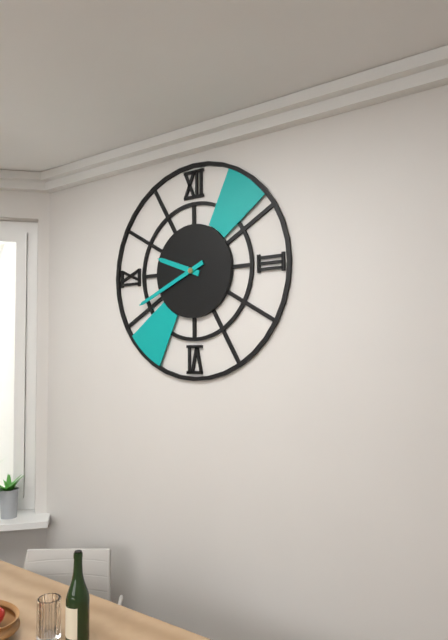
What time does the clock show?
9:41
